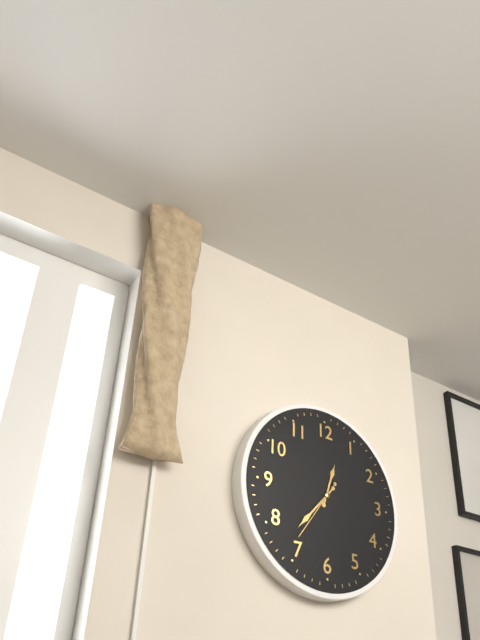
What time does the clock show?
12:37:36
